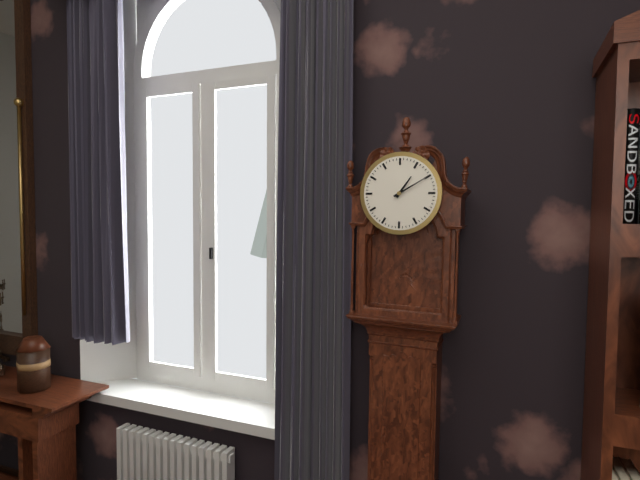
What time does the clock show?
1:10
